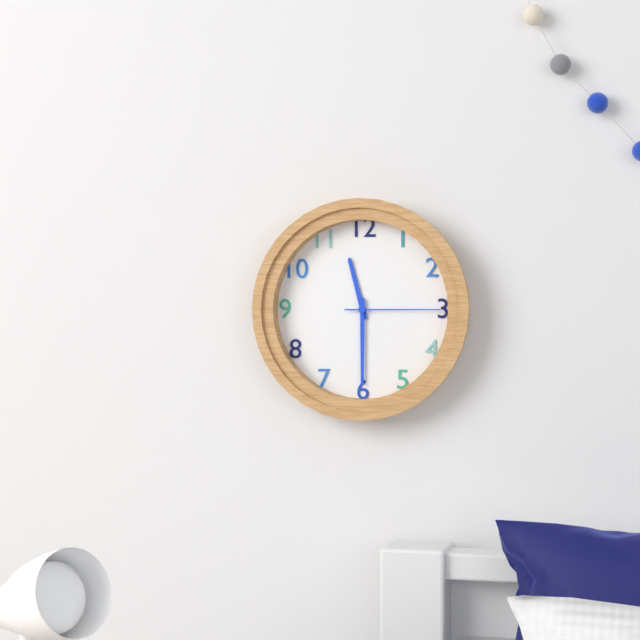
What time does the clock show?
11:30:15
